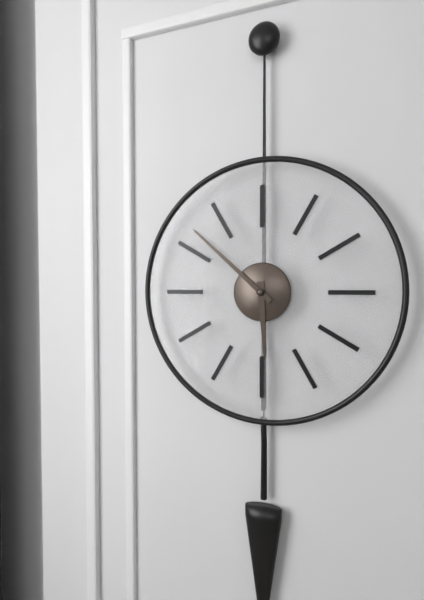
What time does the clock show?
5:52
